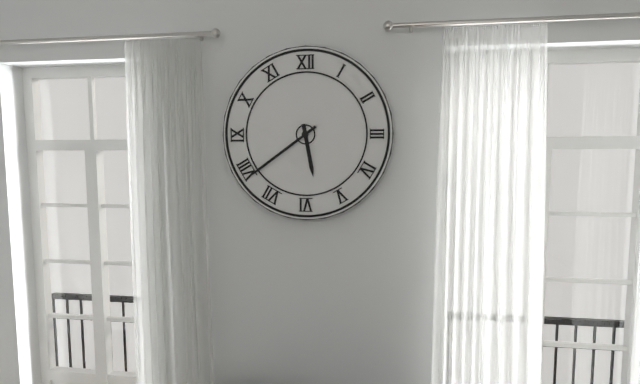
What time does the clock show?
5:39
